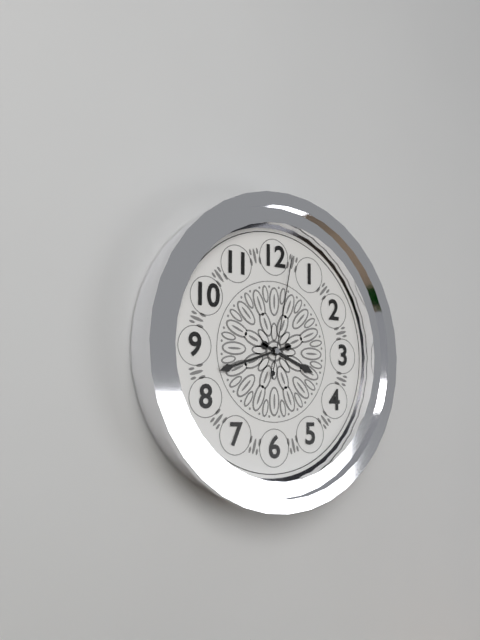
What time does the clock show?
3:42:02
